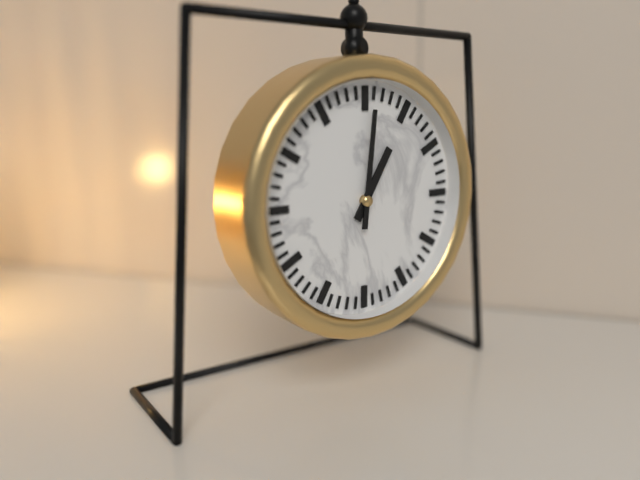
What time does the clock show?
1:01
